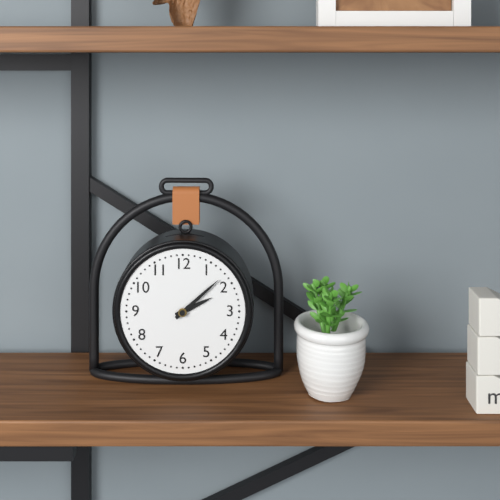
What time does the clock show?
2:08
